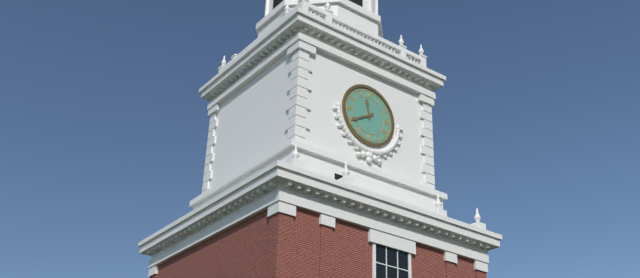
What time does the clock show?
11:40
